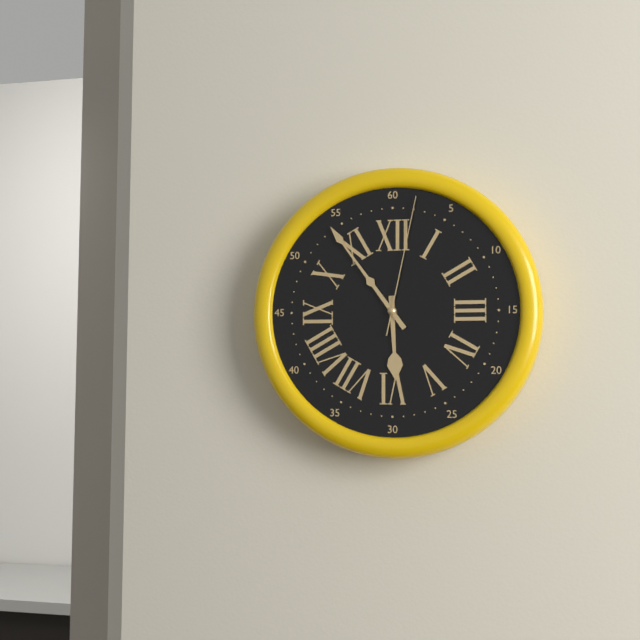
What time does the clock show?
5:54:02
